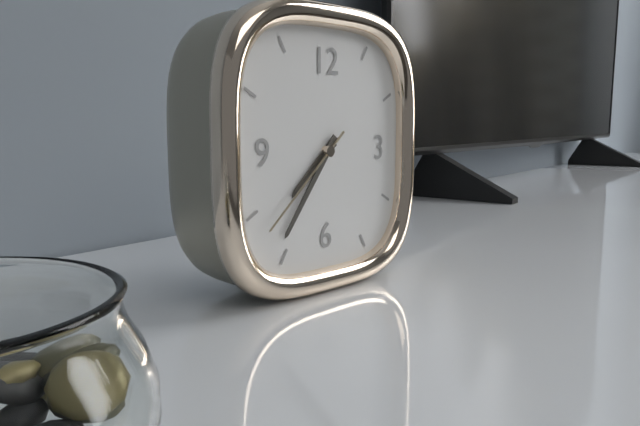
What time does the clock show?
7:36:38
